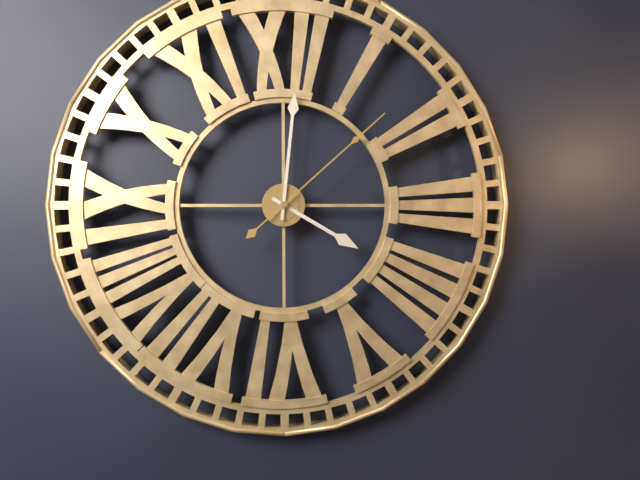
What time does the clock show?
4:01:08
